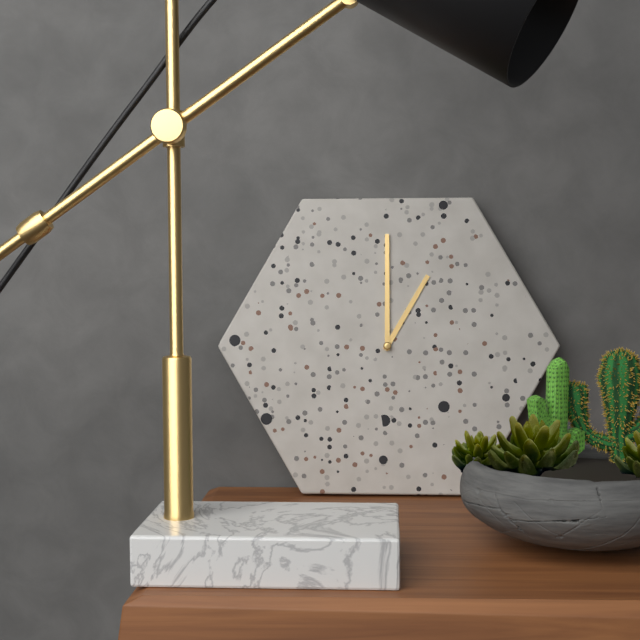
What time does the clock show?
1:00
